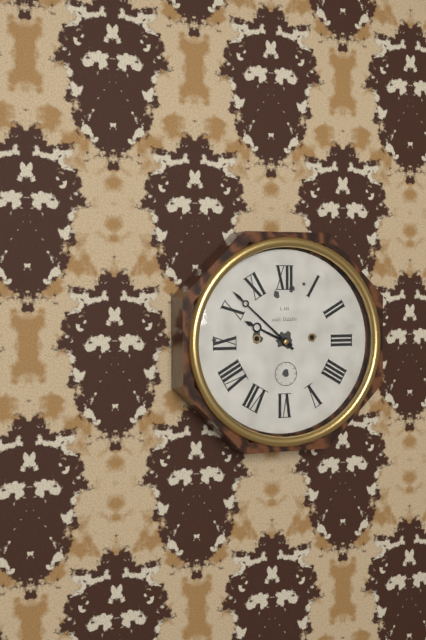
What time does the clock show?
9:52
